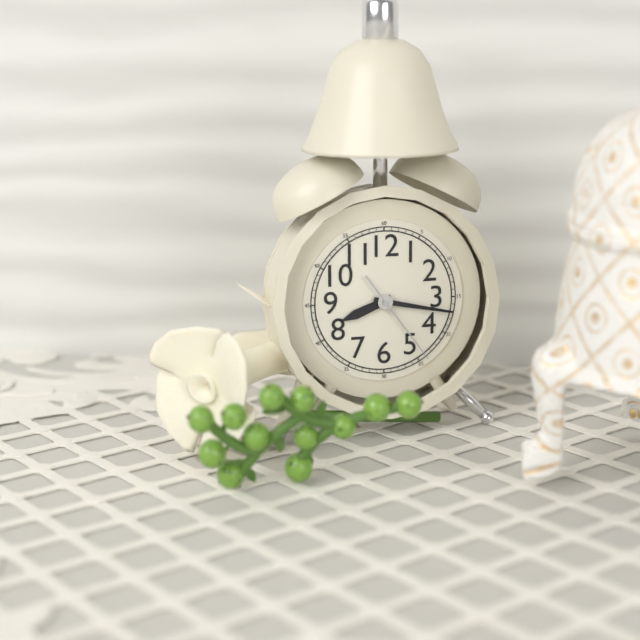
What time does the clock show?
8:17:24
